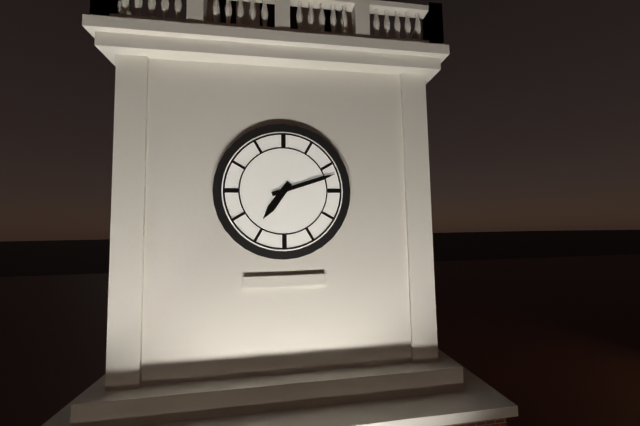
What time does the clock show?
7:12
